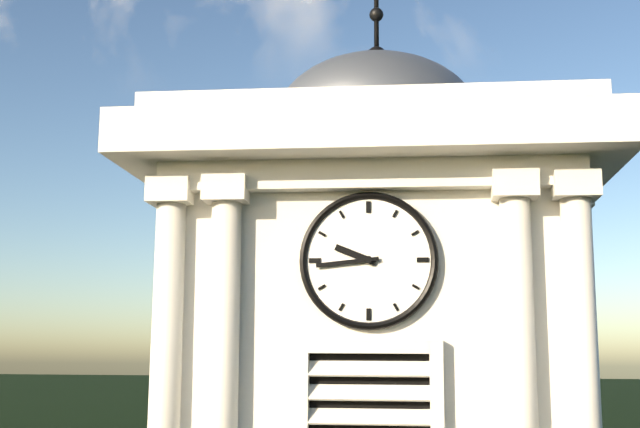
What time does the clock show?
9:44
